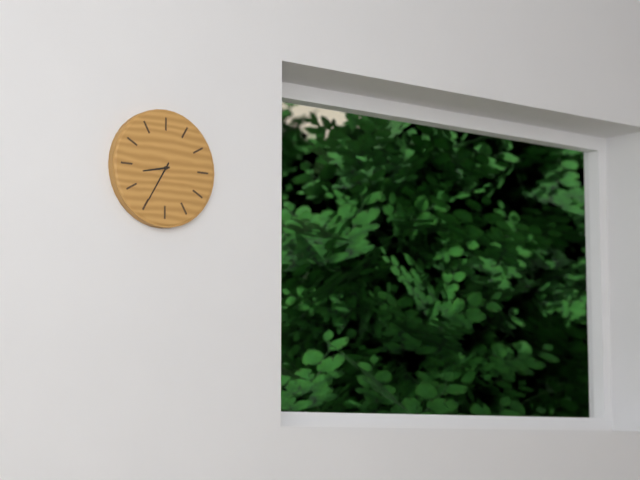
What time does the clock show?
8:35
